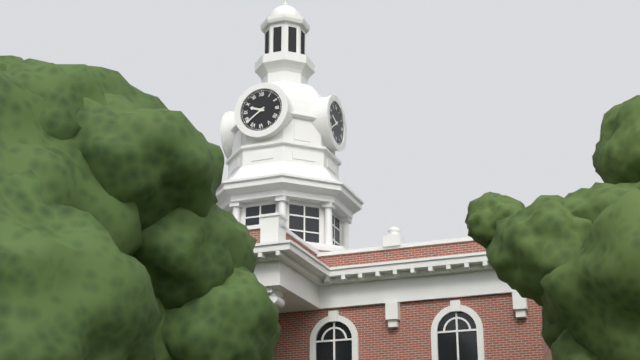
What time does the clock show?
9:39
